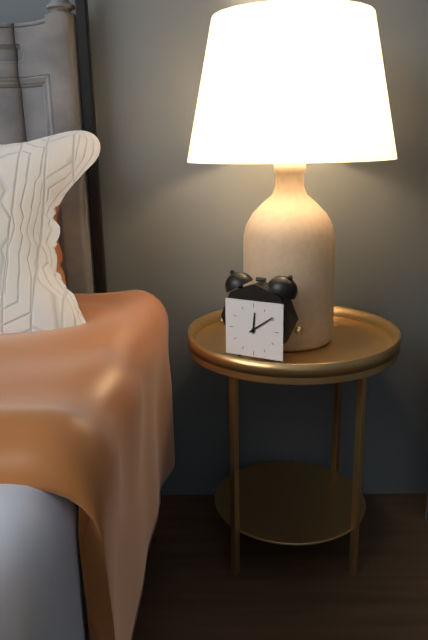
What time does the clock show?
12:09
